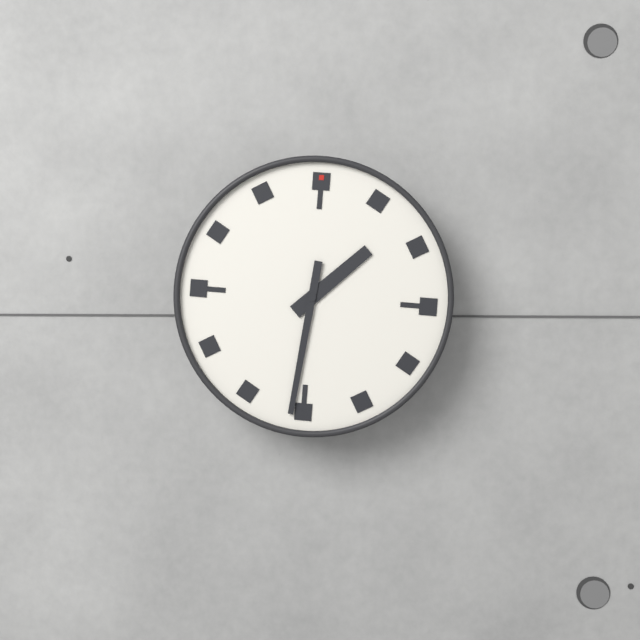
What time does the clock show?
1:31
